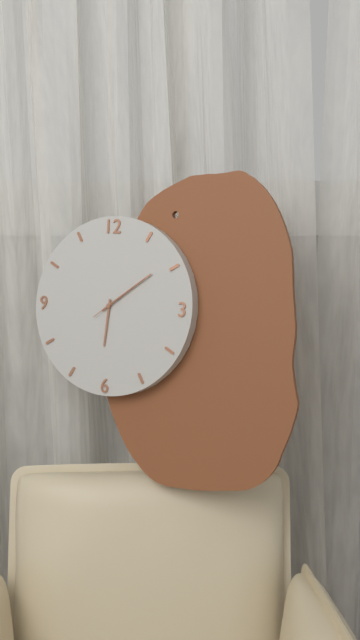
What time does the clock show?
6:09:09
